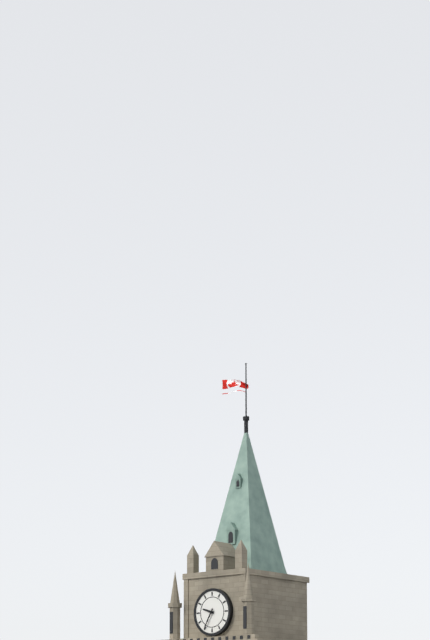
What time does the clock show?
9:35
